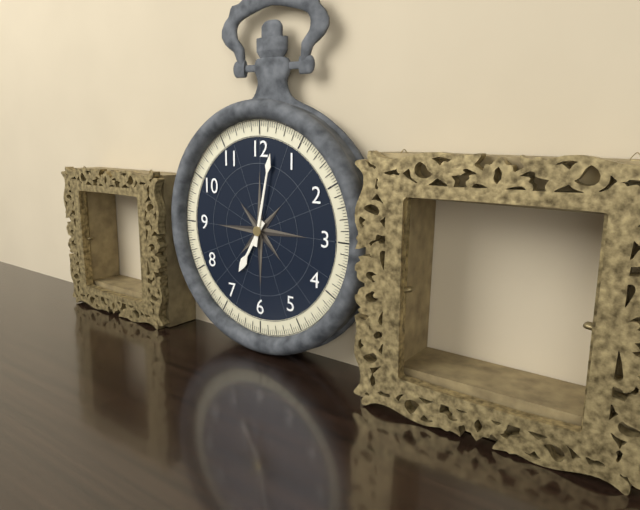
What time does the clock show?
7:02
